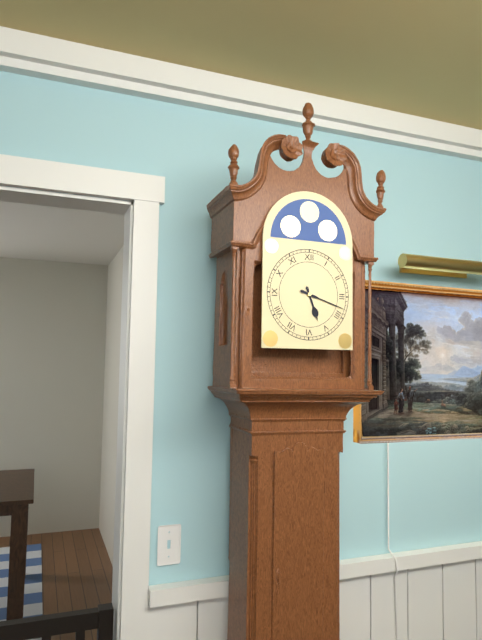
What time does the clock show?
5:18
